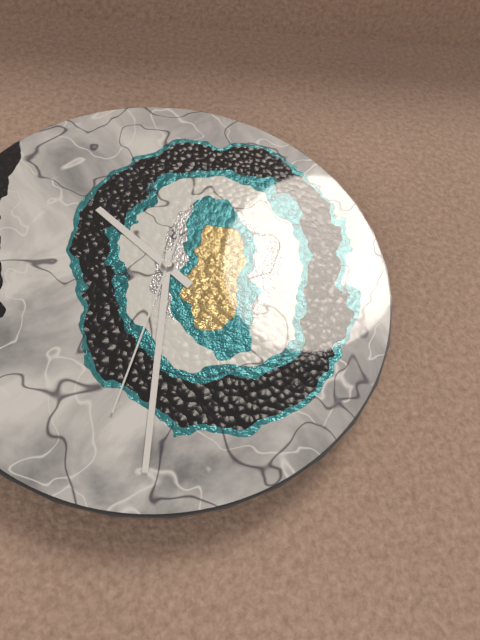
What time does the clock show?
10:31:33
